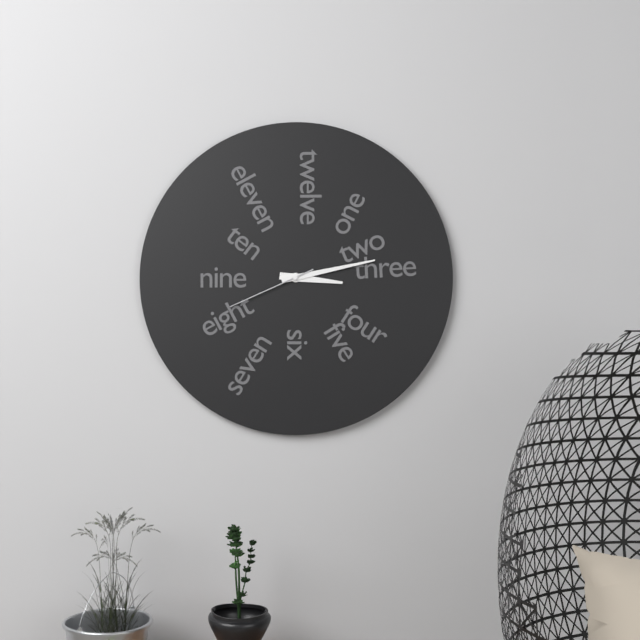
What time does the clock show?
3:13:41
